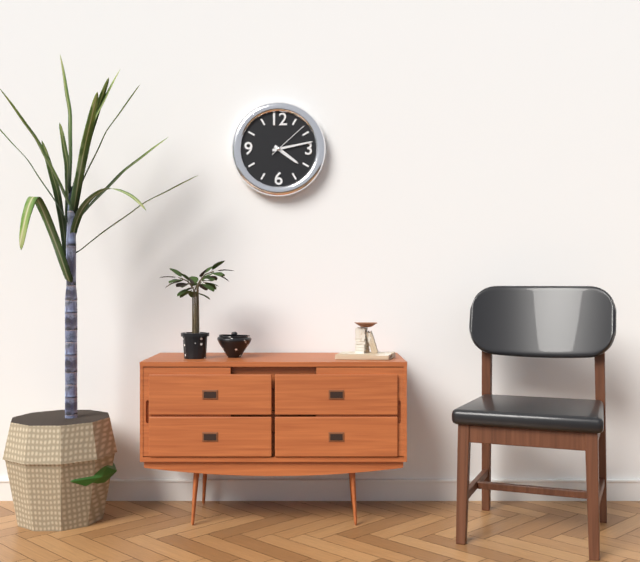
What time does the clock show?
4:13
